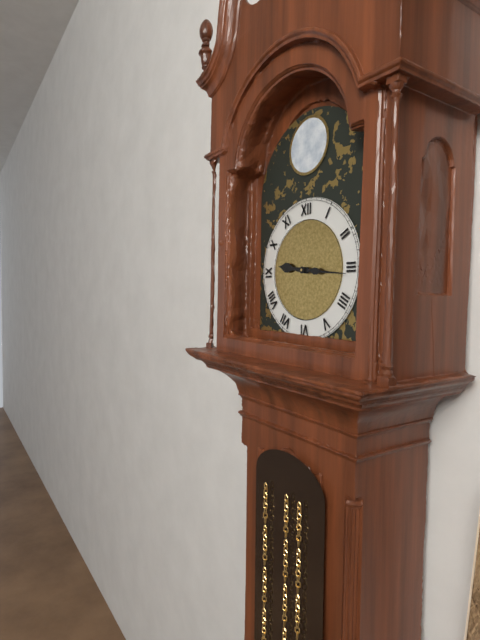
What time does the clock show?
9:16
